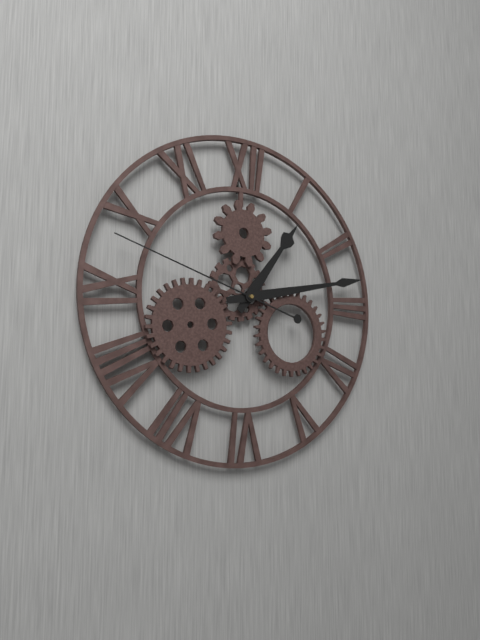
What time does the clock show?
1:13:48
